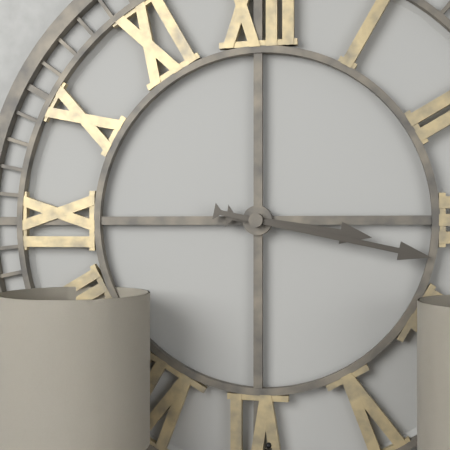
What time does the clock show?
3:17
